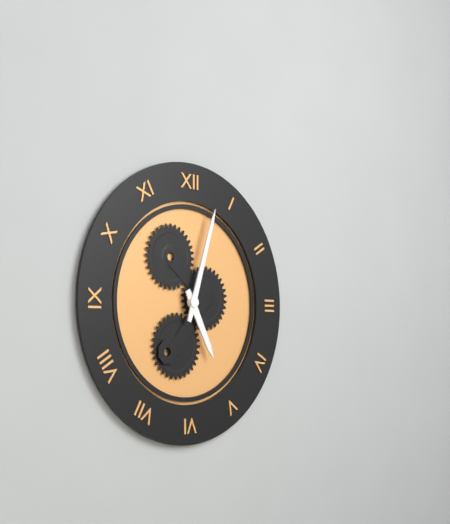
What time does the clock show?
5:03
